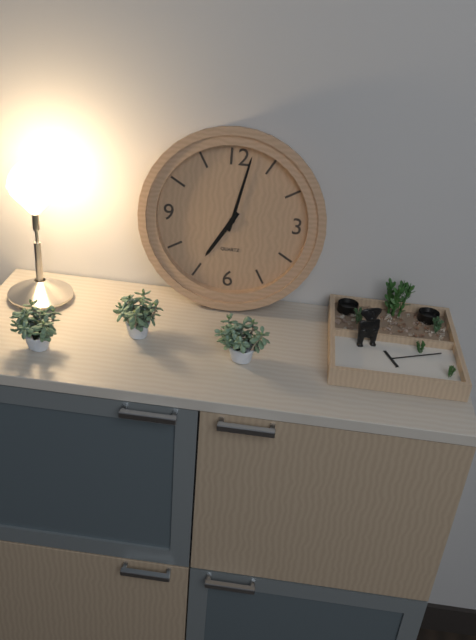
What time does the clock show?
7:02
